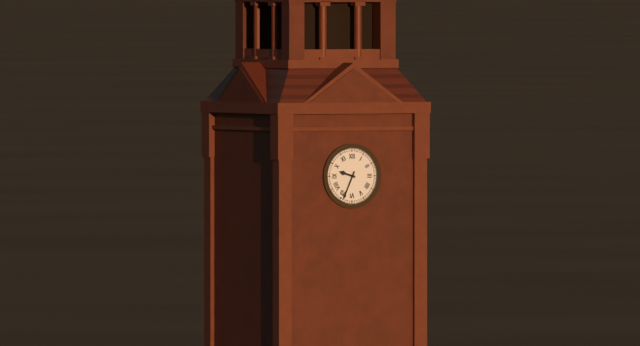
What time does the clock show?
9:34
